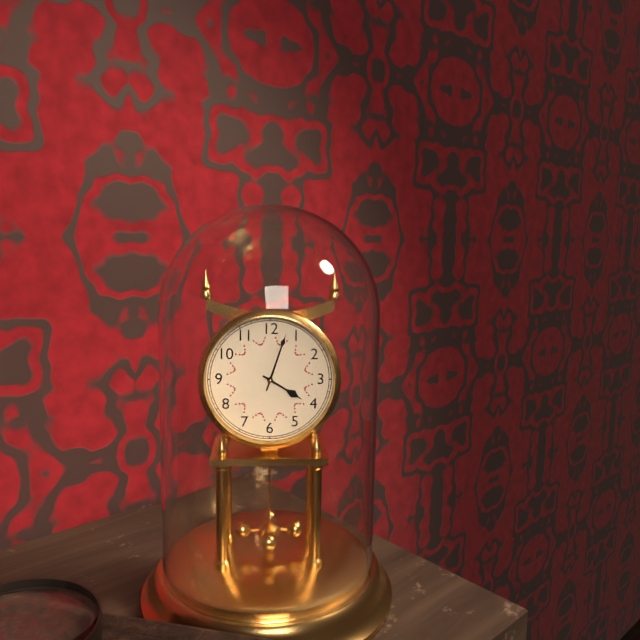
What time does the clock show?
4:03
